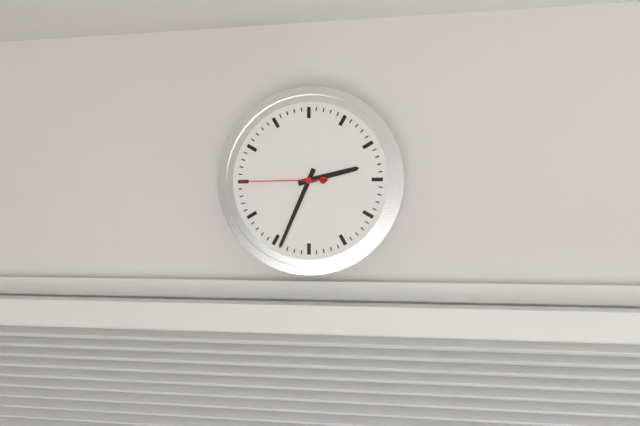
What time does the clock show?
2:34:45
